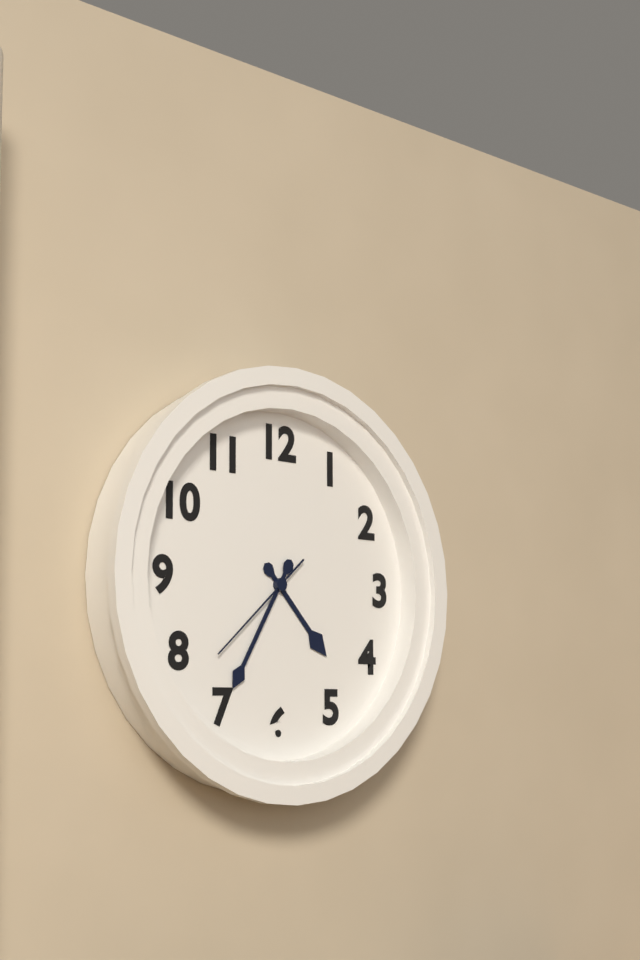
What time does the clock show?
4:35:38
